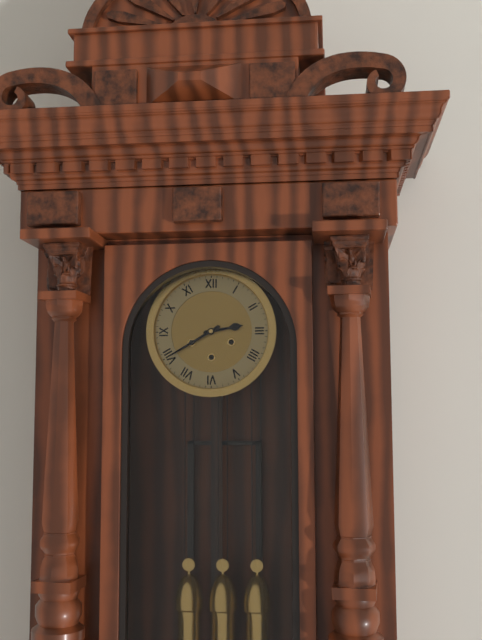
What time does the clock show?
2:40
